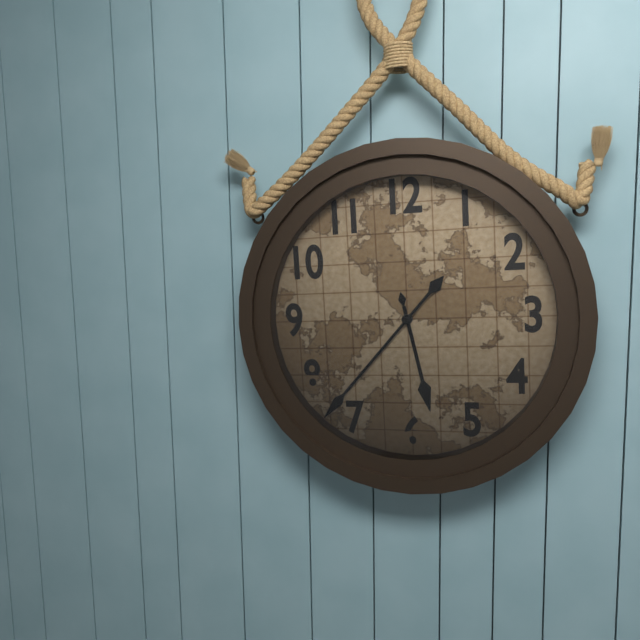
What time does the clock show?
5:37
